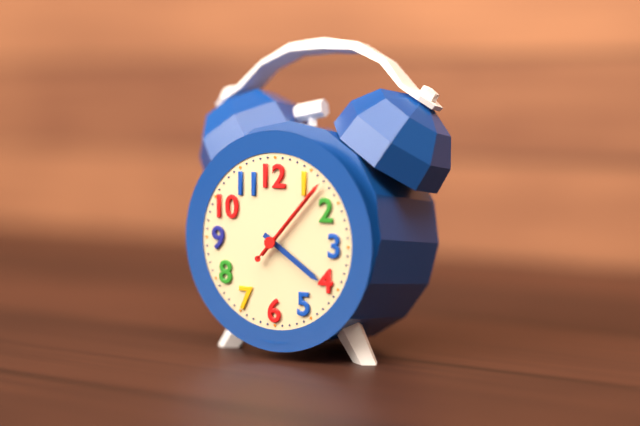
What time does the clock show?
4:07:07
